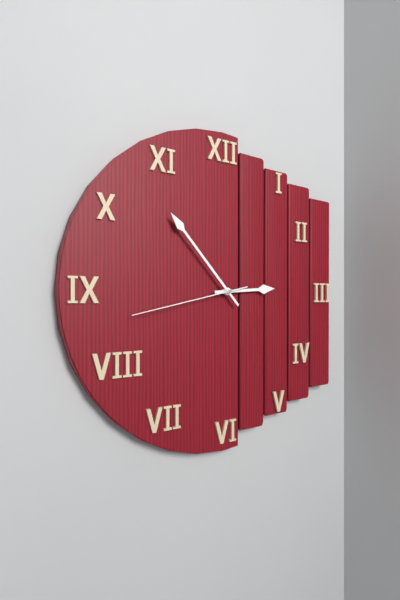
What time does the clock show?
2:53:43
